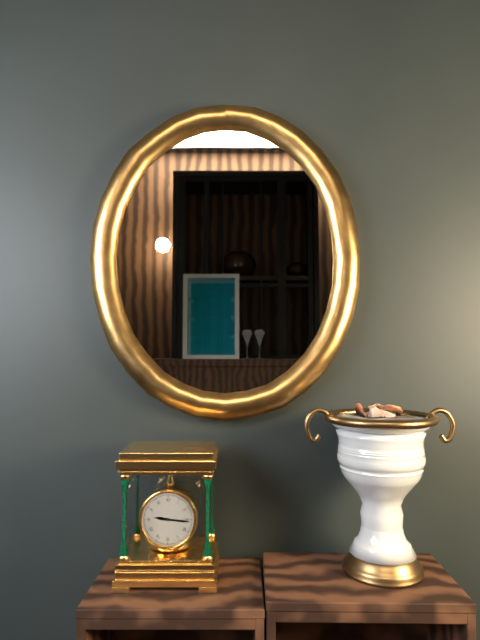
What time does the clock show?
9:16
